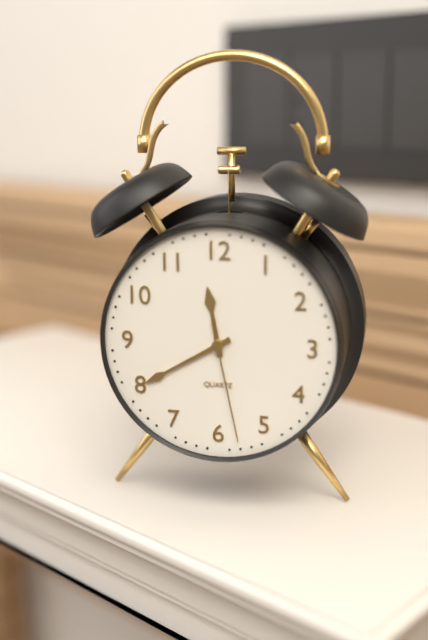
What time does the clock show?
11:40:28
